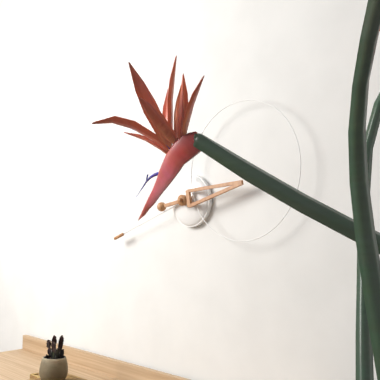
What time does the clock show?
2:42
